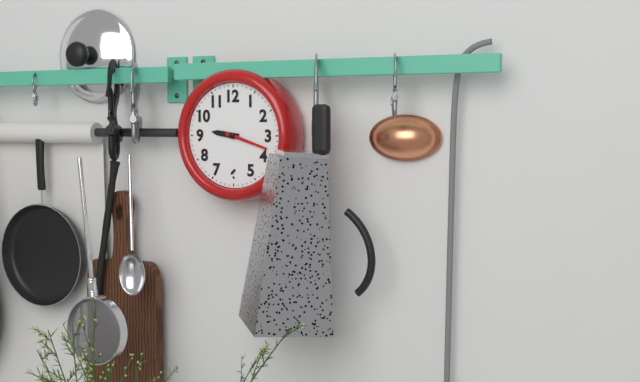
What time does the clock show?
9:18
